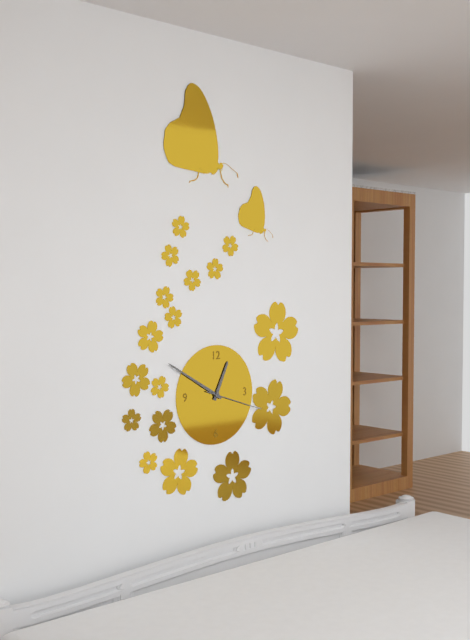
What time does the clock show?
12:50:18
